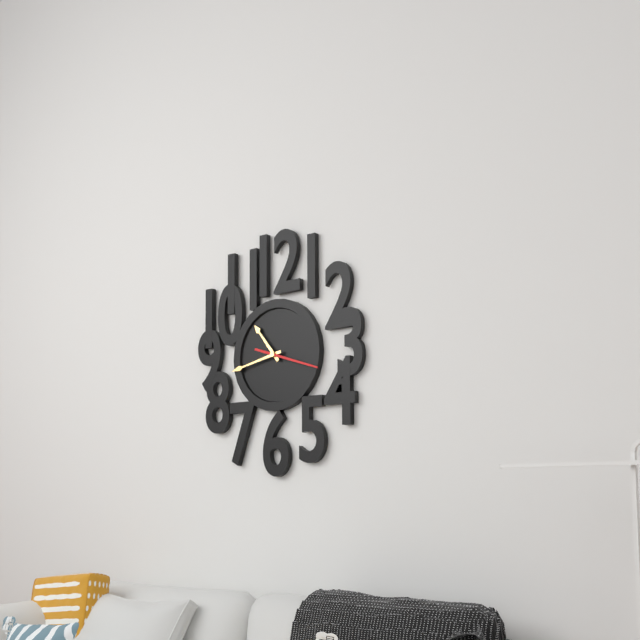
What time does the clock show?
10:43
